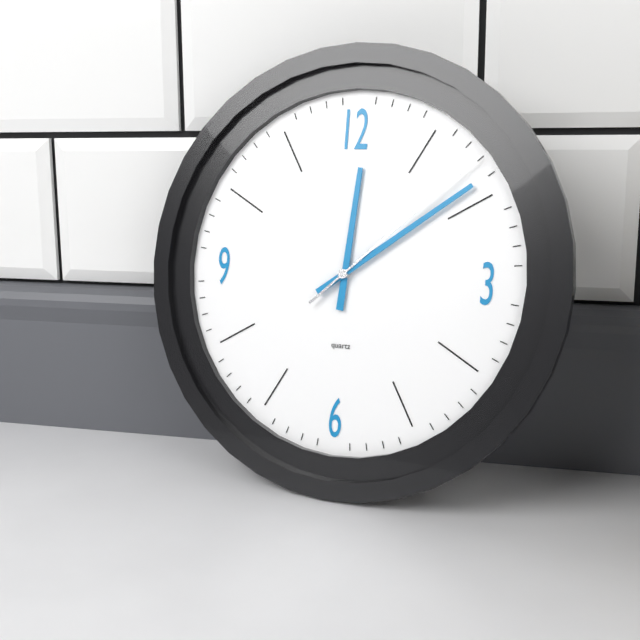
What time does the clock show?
12:09:08
